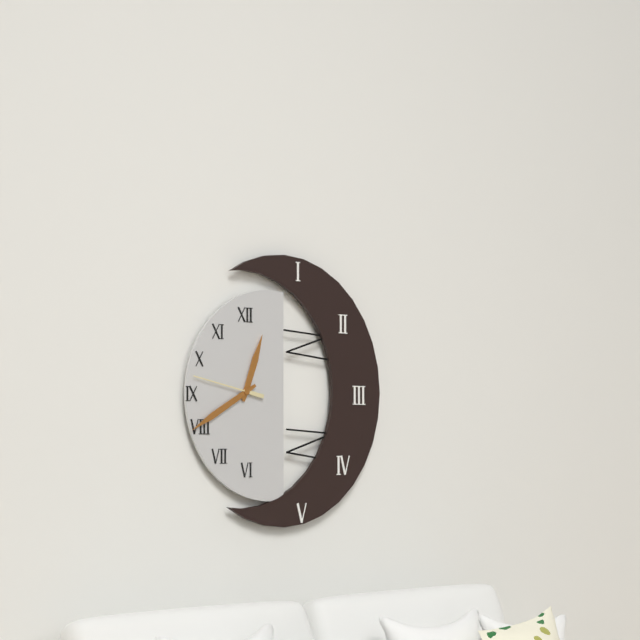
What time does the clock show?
12:40:47
